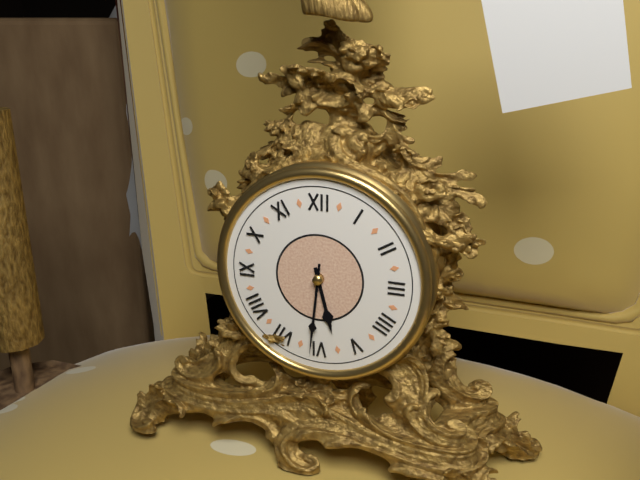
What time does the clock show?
5:31
